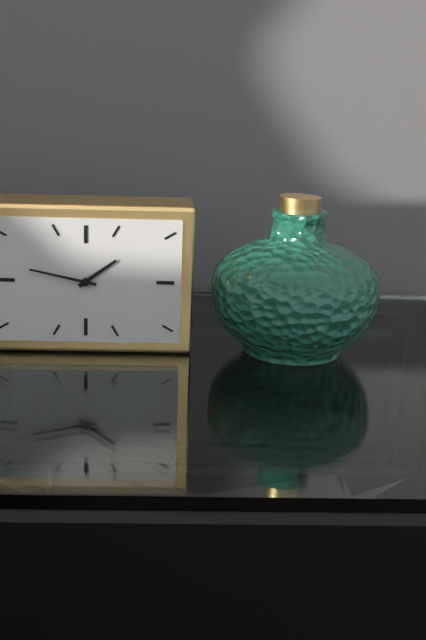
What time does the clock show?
1:47
